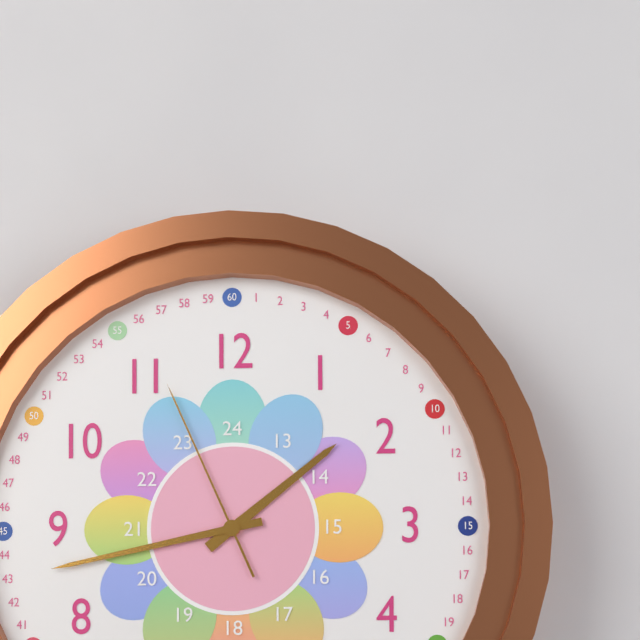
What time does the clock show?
1:43:56
